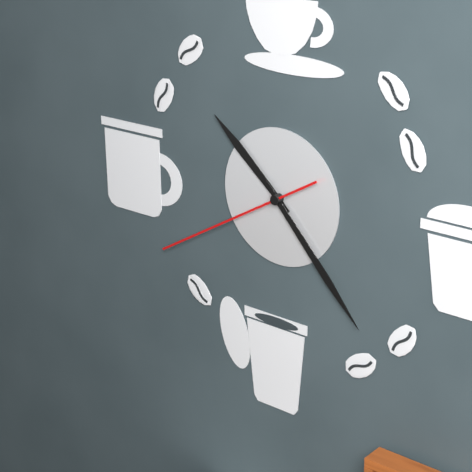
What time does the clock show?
10:23:40
